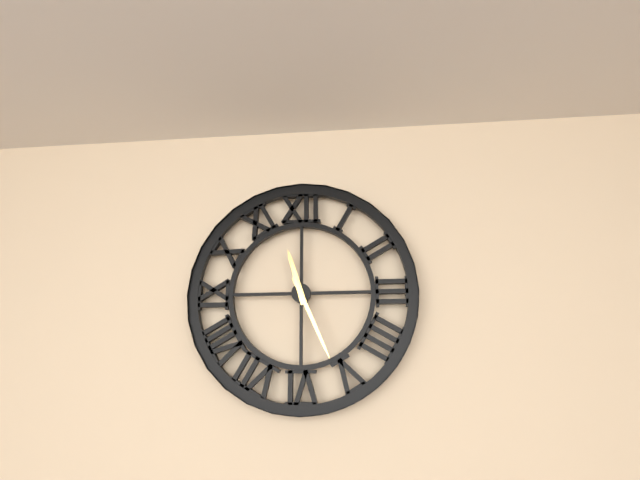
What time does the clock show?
11:26
